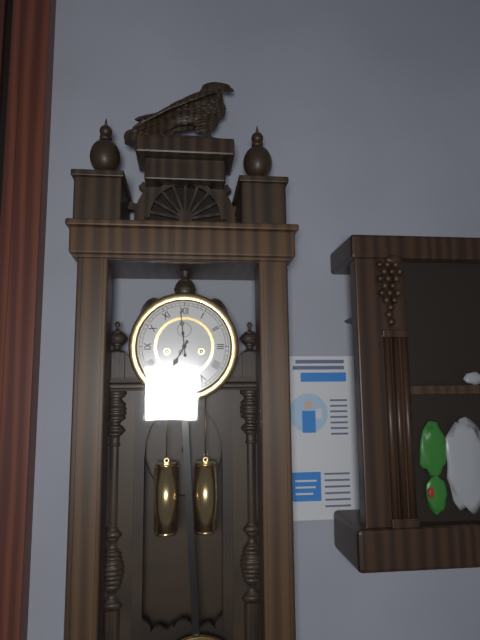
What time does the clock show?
6:59
